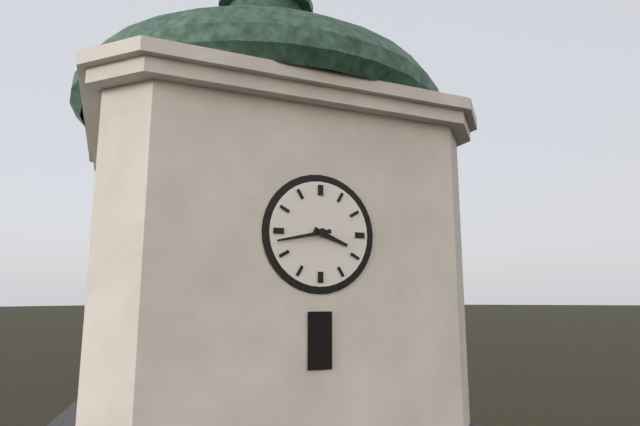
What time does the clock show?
3:43
